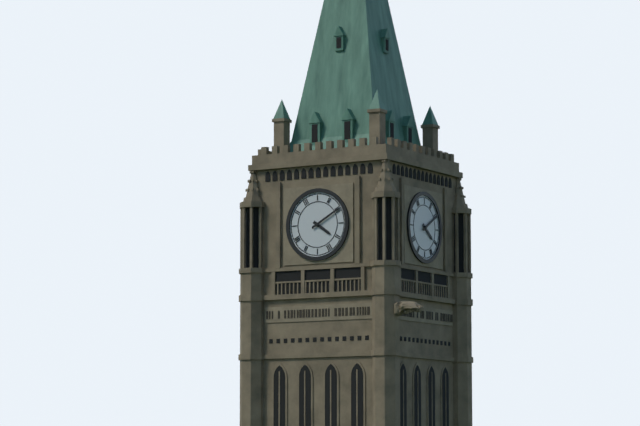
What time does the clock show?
4:10
